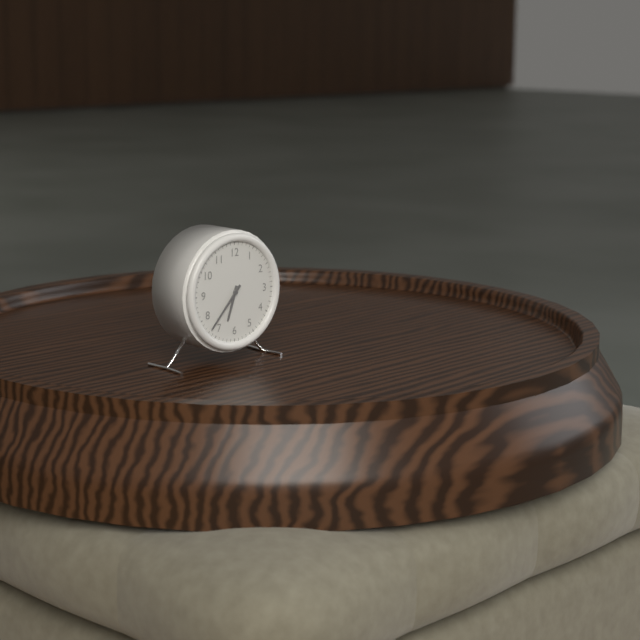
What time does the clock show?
6:37
